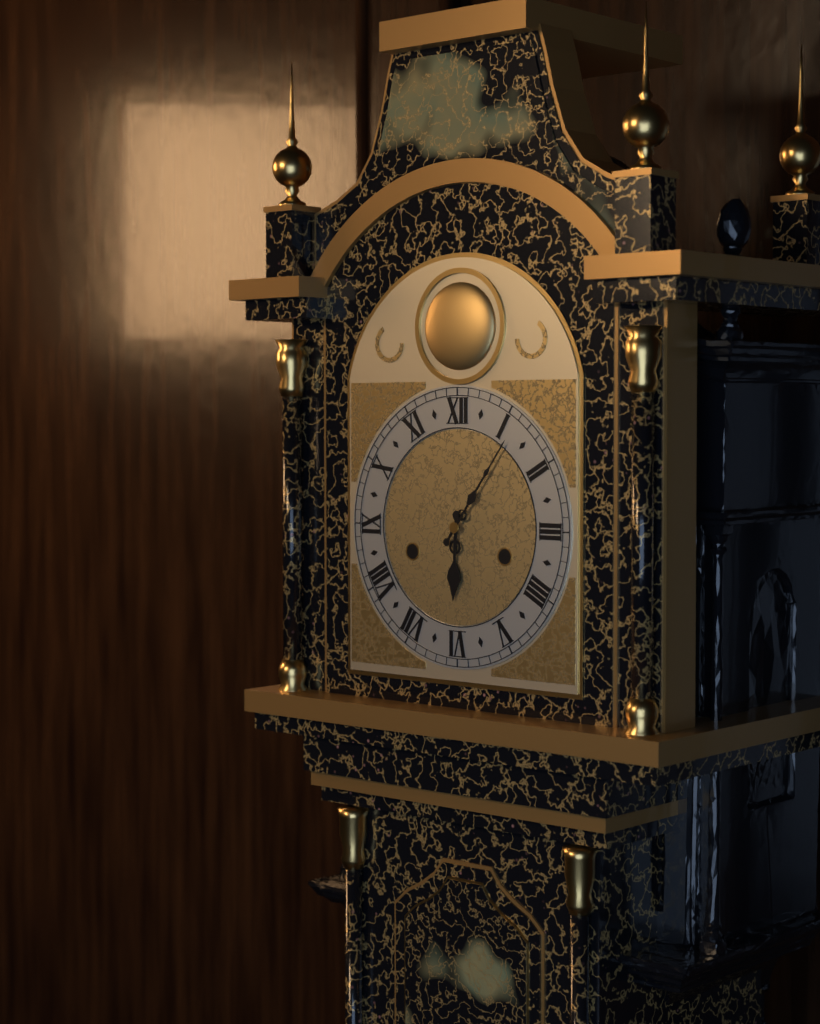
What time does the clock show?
6:06
